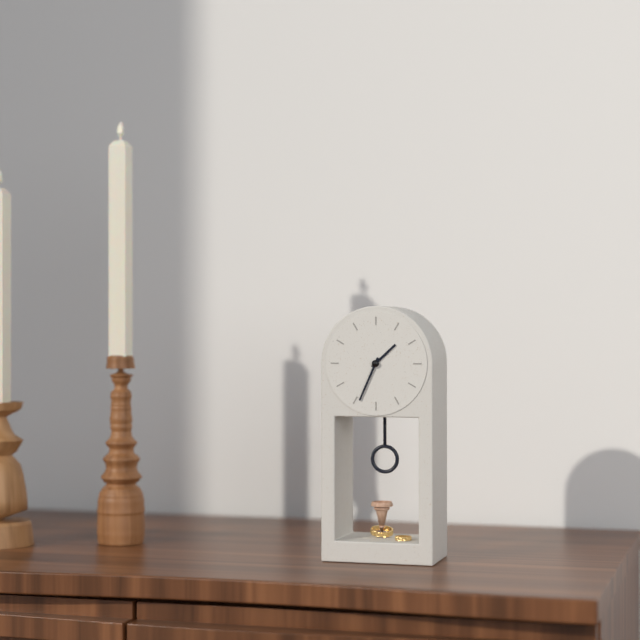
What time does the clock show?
1:34
